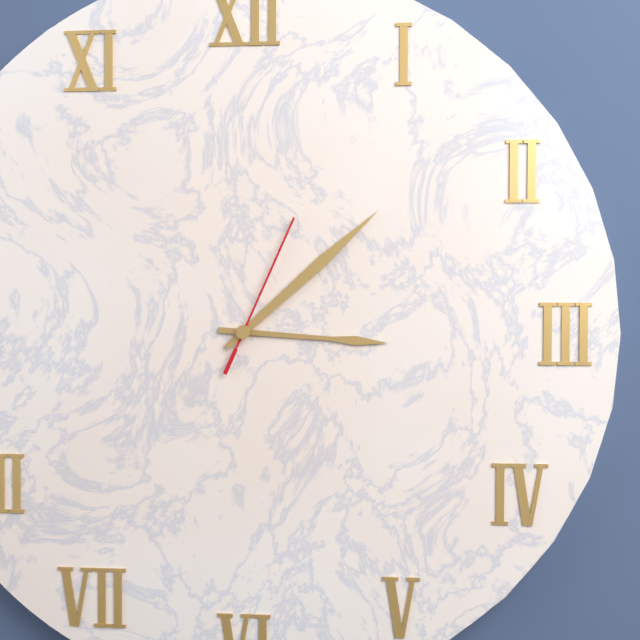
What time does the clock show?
3:08:04
